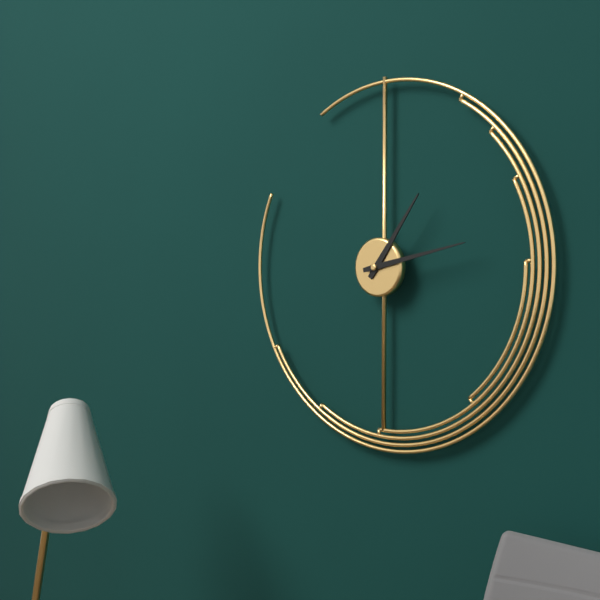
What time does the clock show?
1:13
